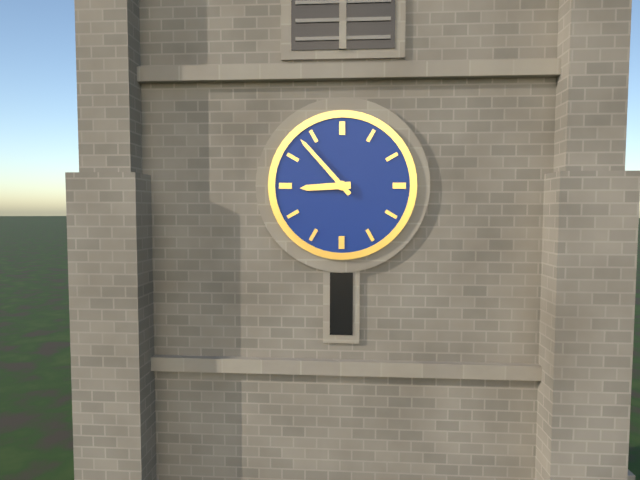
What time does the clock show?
8:53
